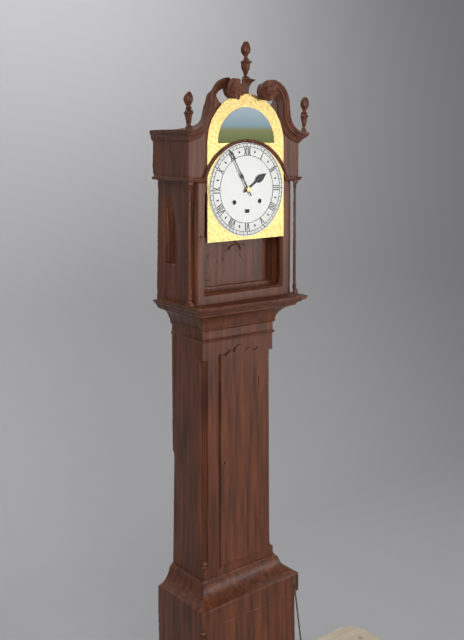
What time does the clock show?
1:55
